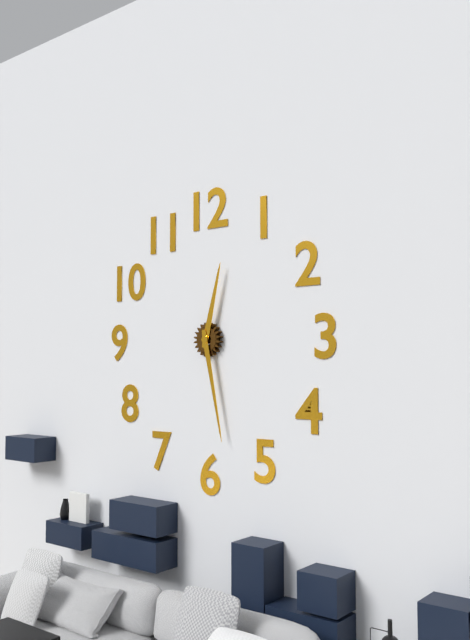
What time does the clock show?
12:28
